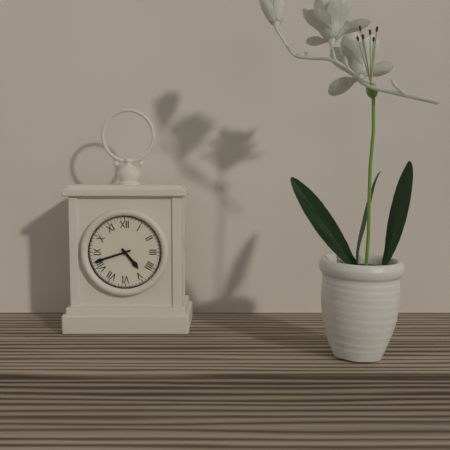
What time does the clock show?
4:42
